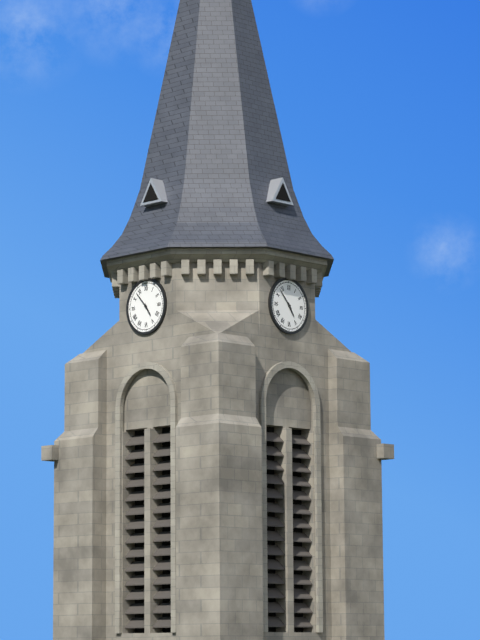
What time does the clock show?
4:53
